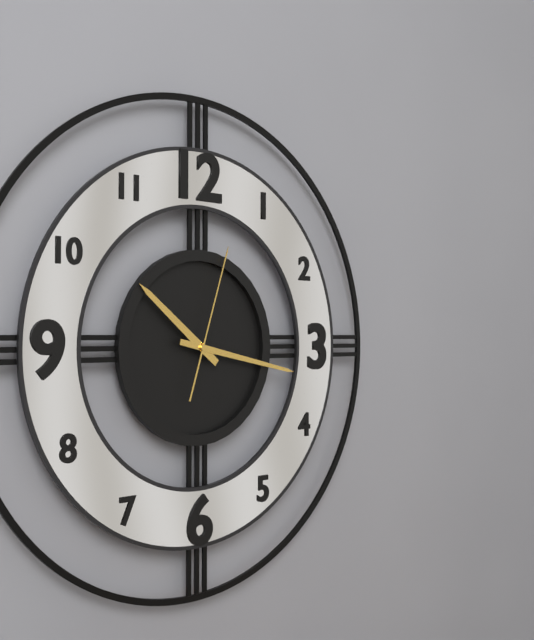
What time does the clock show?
10:17:03
